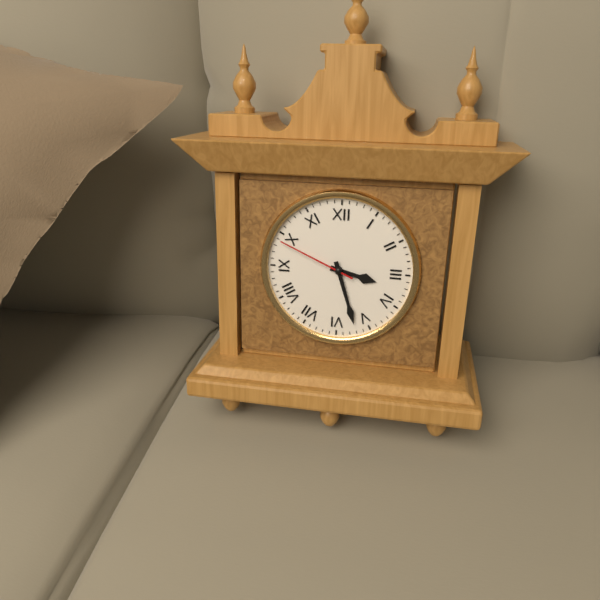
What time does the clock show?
3:27:49
